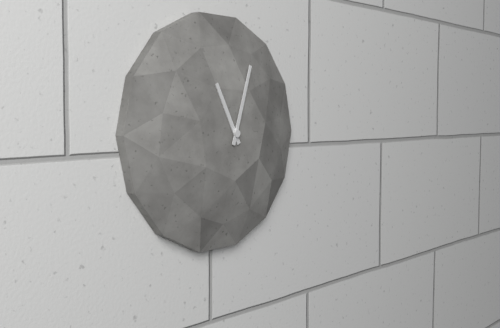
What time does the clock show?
11:03
